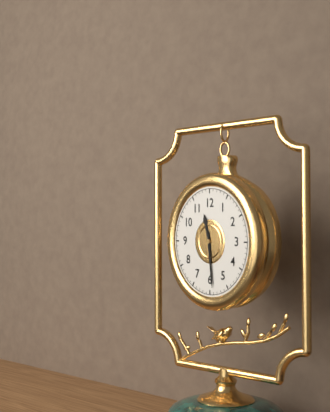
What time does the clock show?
11:29
